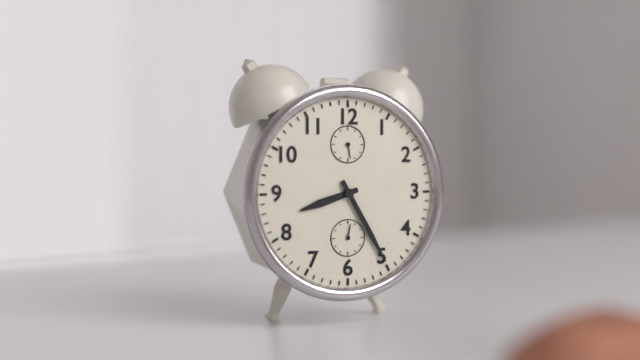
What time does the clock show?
8:25
